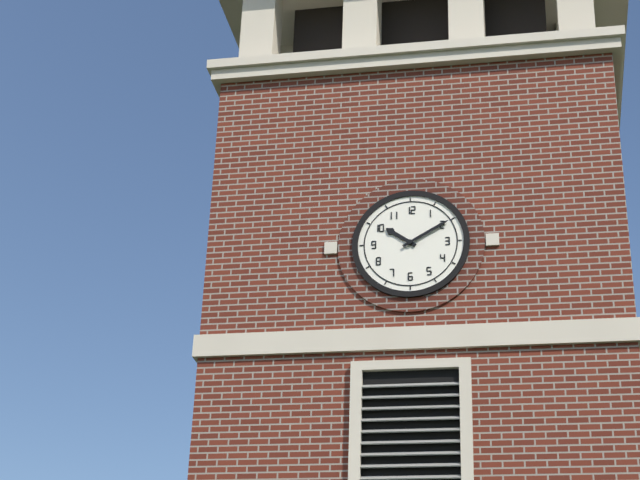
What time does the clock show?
10:10
